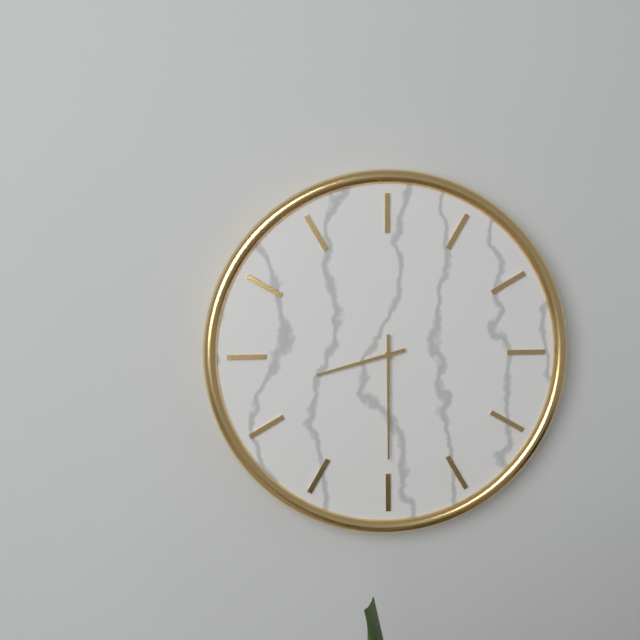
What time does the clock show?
8:30
